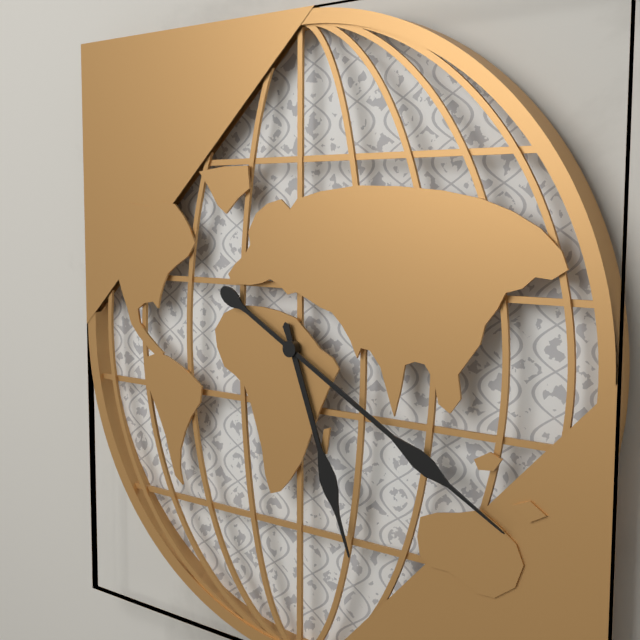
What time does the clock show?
5:20
